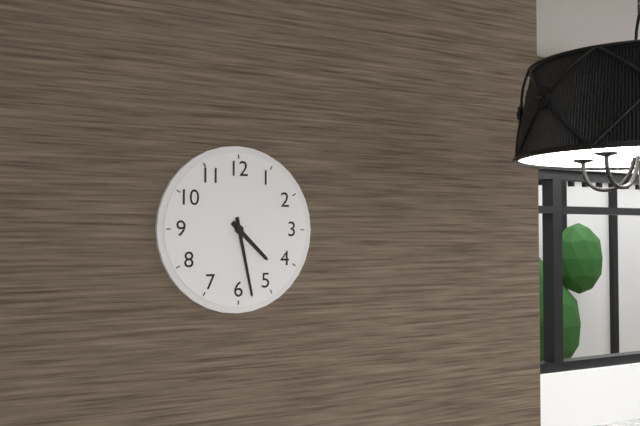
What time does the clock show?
4:28
